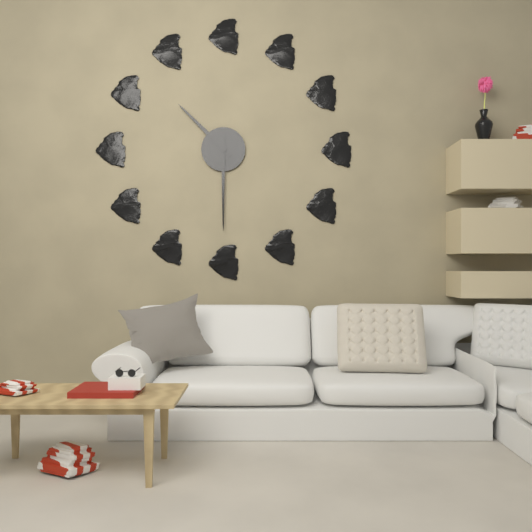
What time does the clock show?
10:30
